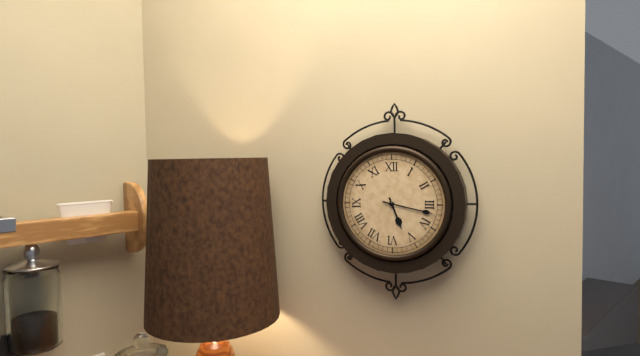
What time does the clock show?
5:17
